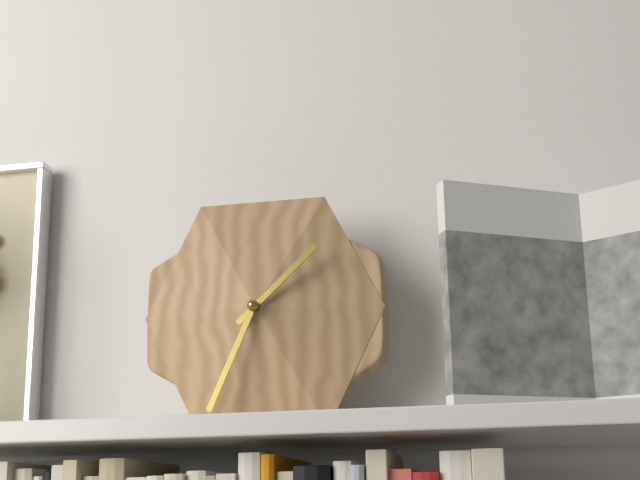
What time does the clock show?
1:34
